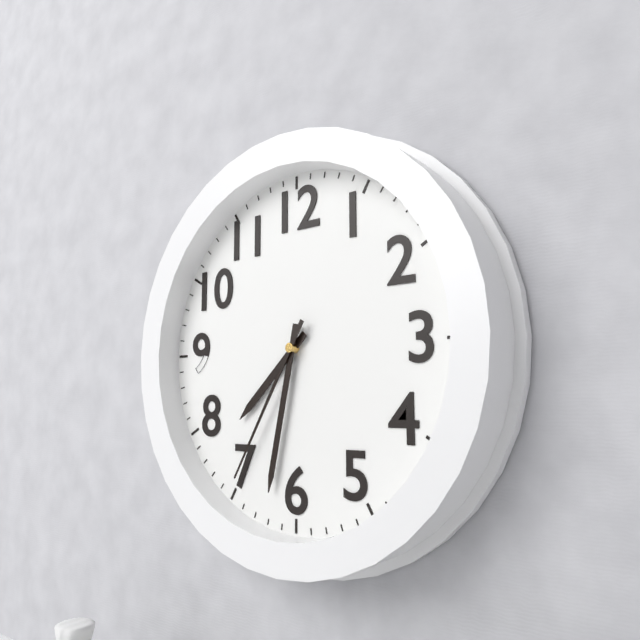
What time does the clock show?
7:32:35
